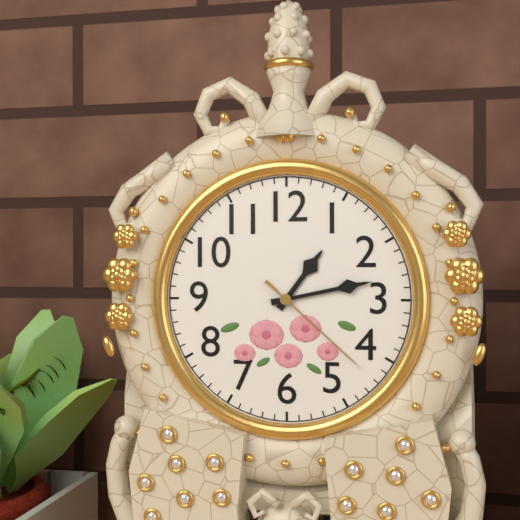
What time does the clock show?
1:13:22
